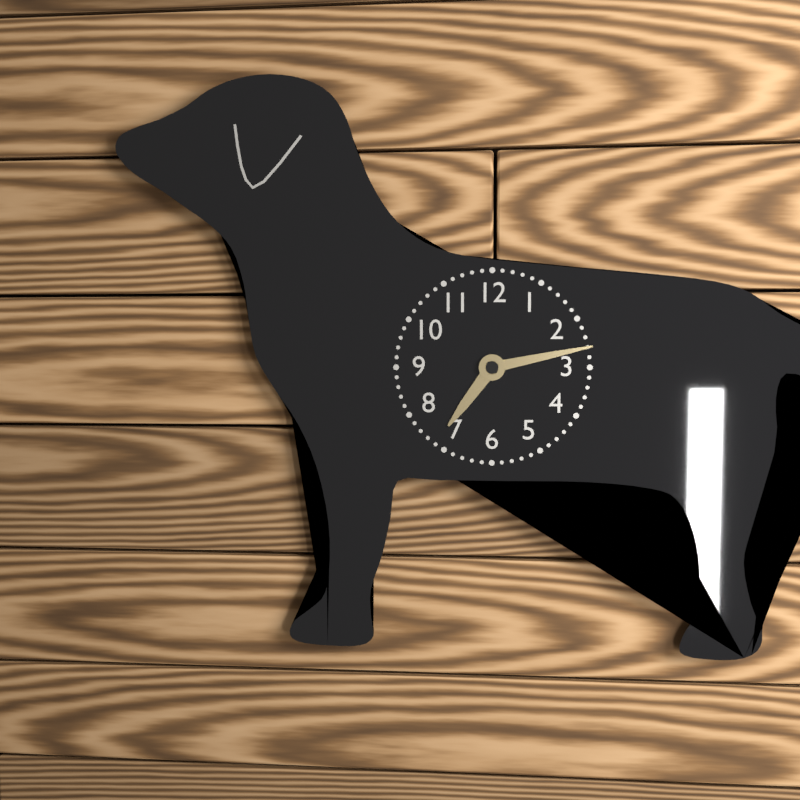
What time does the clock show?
7:13
